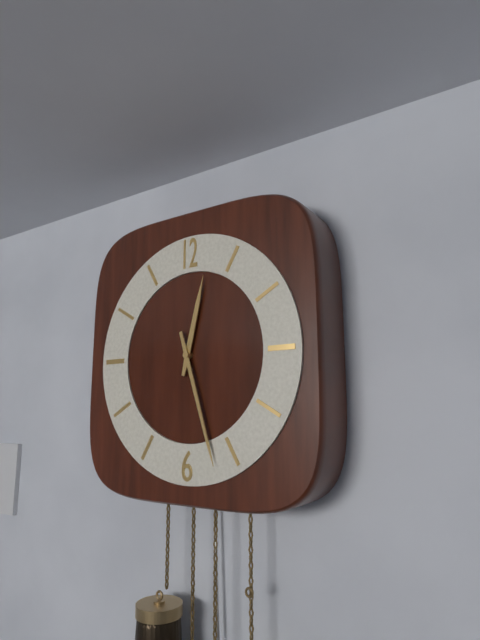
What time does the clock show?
12:27
